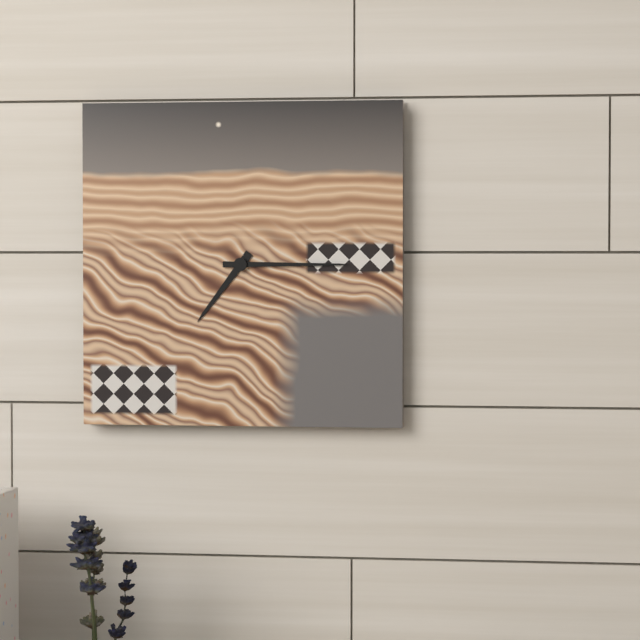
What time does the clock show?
7:15
